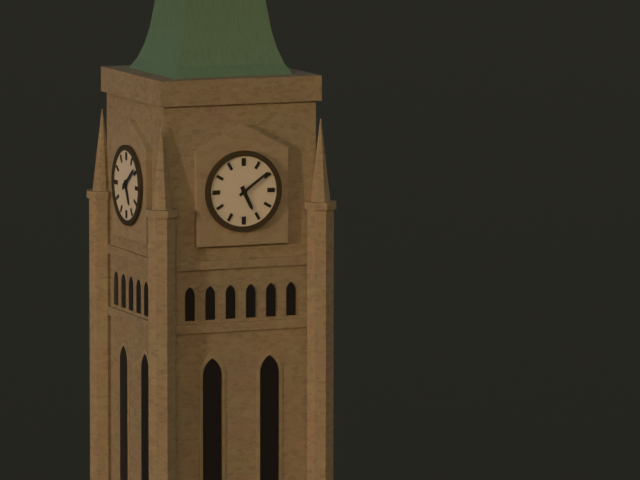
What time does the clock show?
5:09
